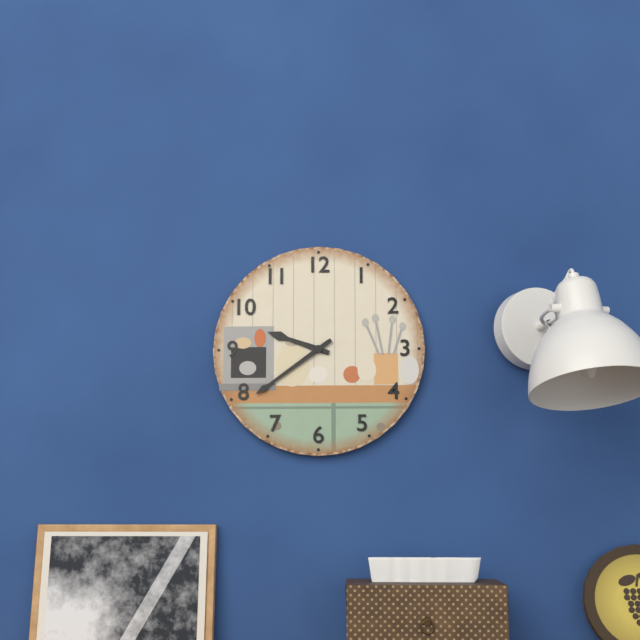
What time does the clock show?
9:39
